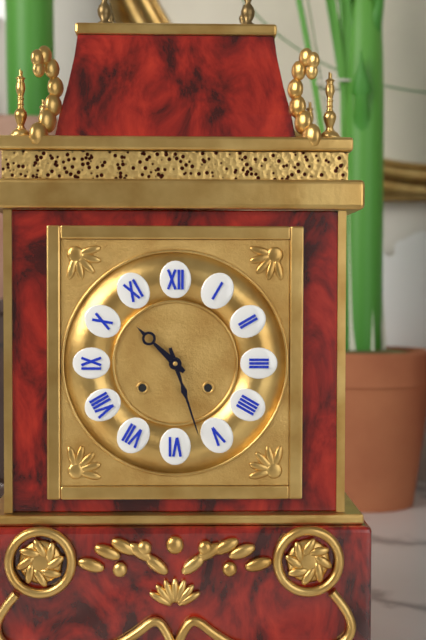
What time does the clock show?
10:27
